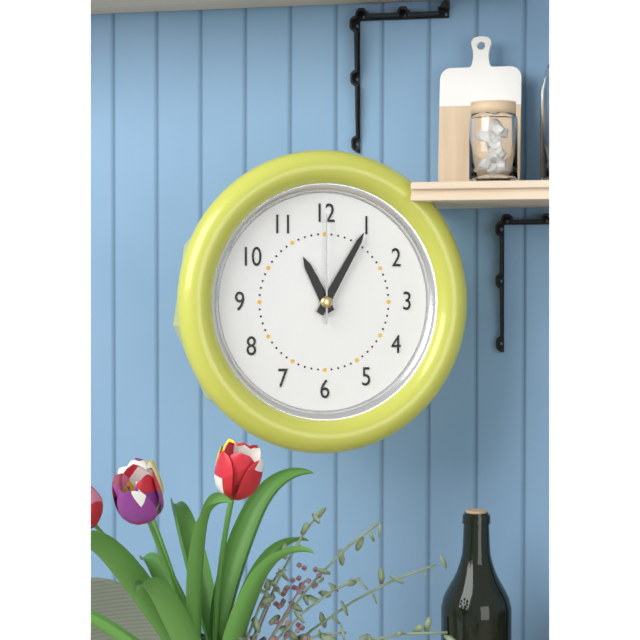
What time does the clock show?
11:05:00
